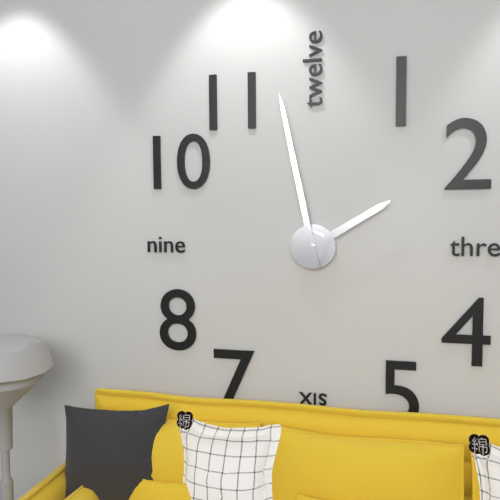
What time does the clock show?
1:58
